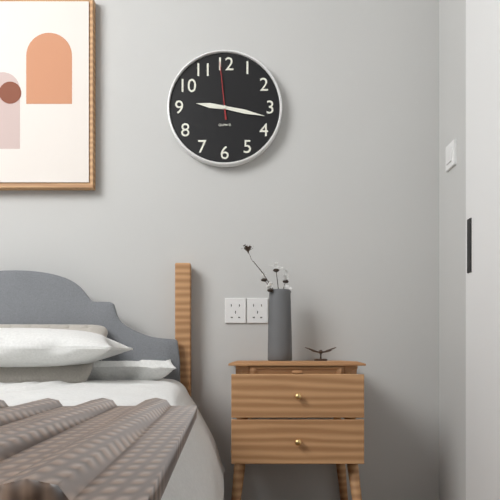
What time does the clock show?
9:17:59
